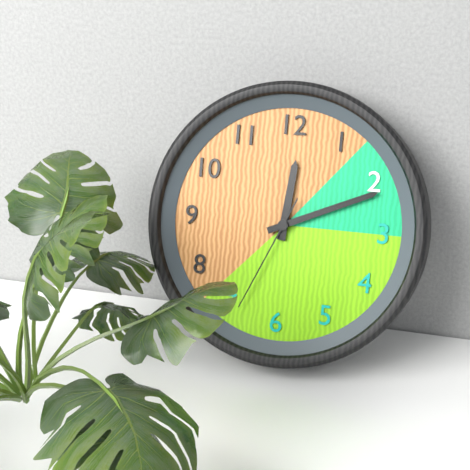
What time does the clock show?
12:11:34
